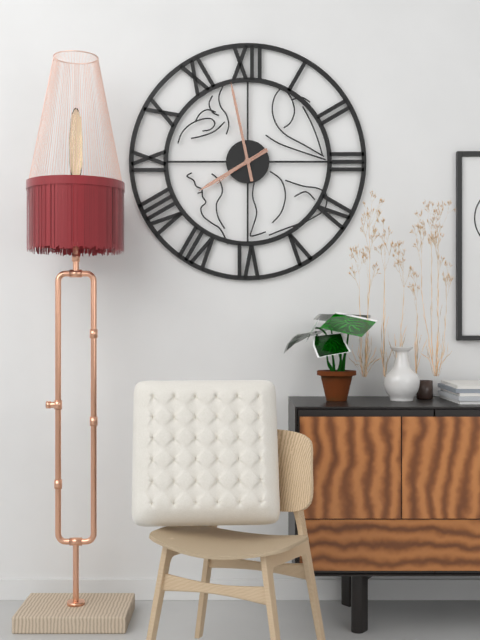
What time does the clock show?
7:58
